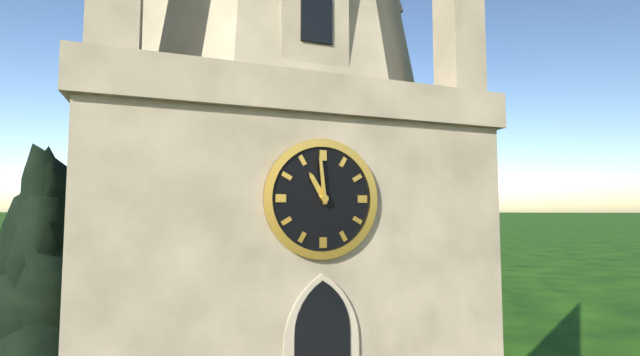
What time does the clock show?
10:59
